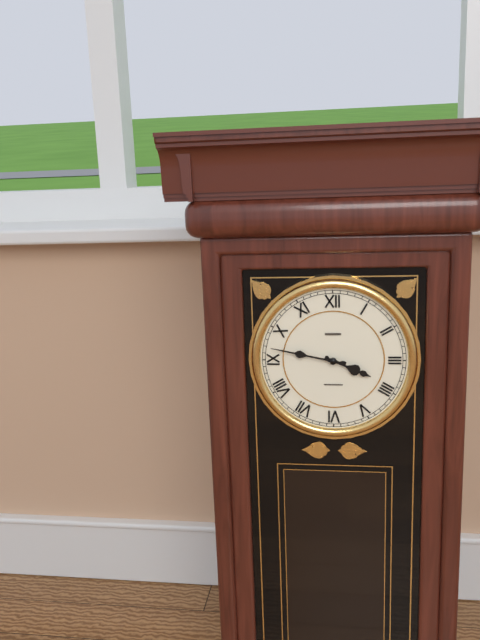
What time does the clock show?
3:47
